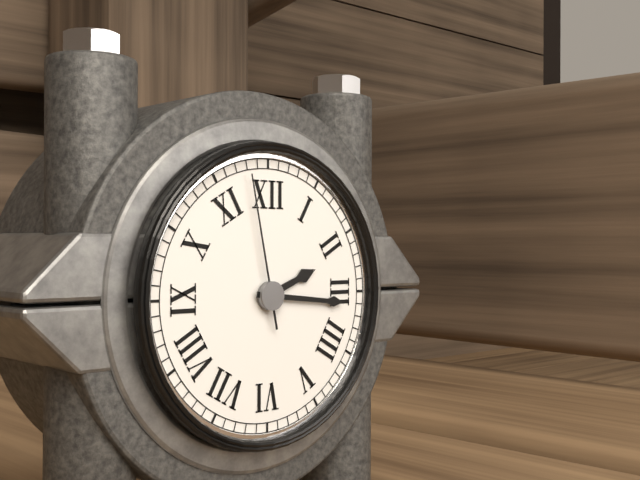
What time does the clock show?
2:16:58
